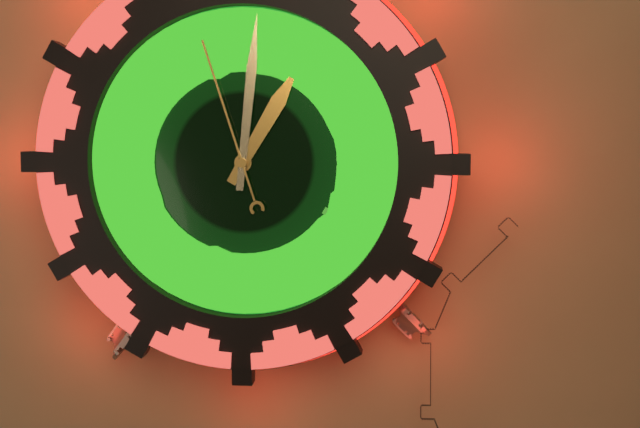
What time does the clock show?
1:01:57
